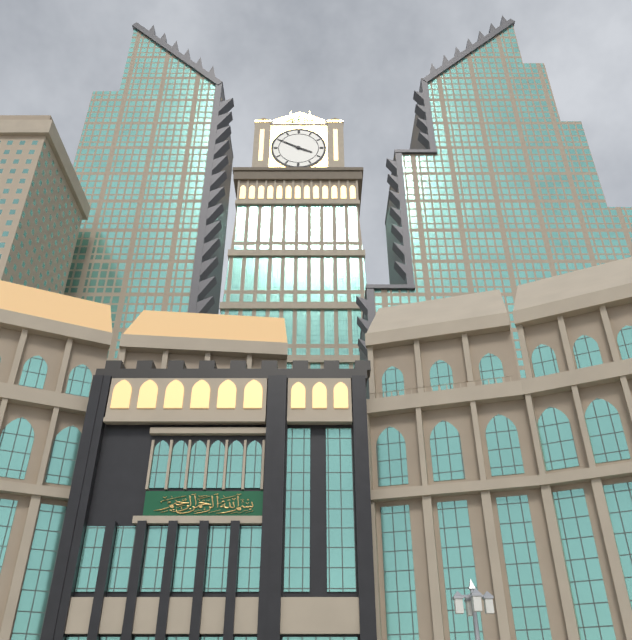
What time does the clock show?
3:50
